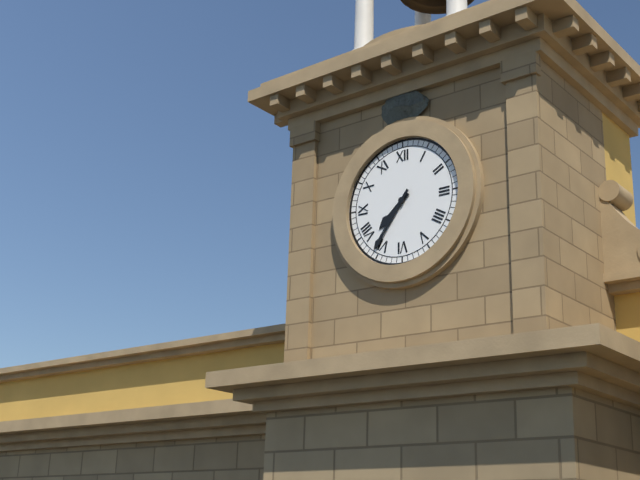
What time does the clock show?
7:36
